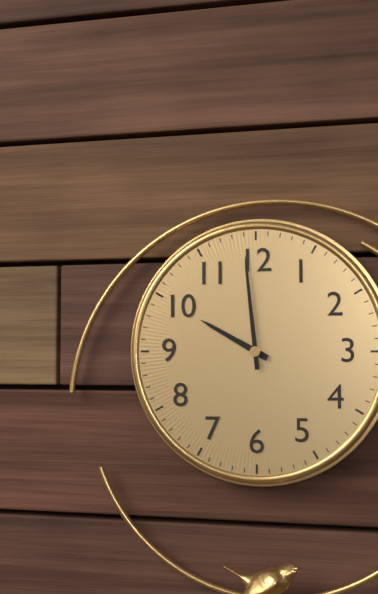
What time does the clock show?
9:59
